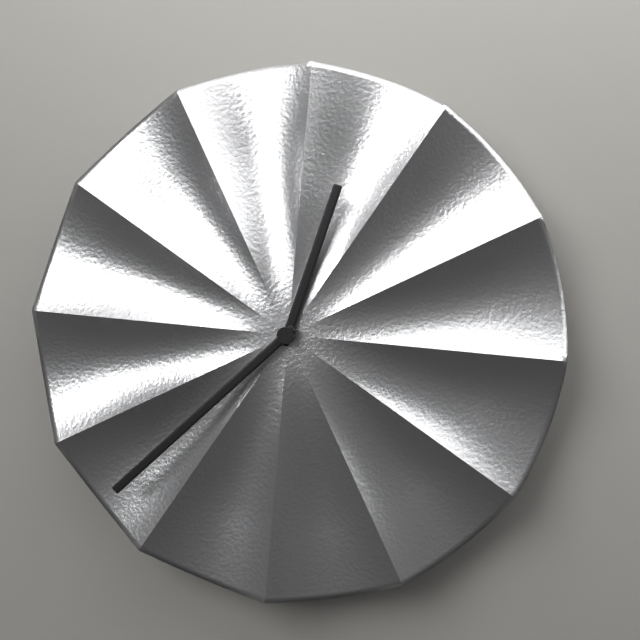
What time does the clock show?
12:38
